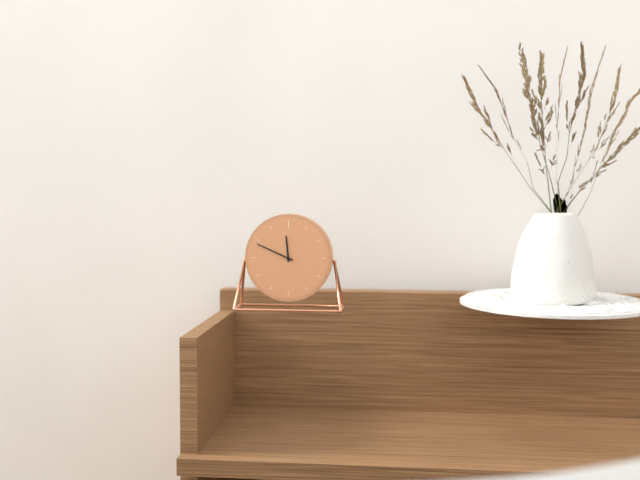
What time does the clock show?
11:49
